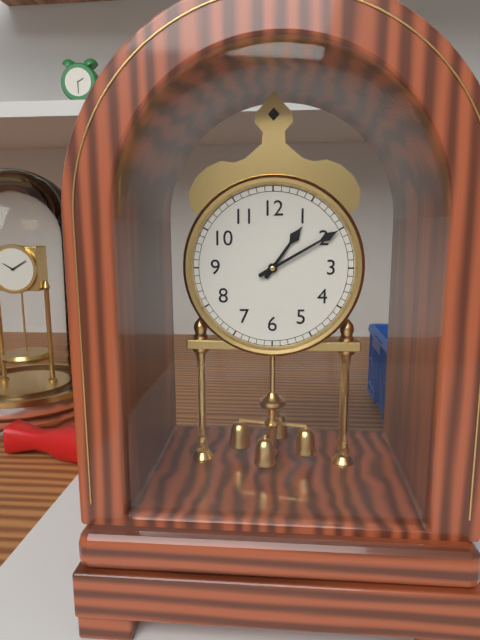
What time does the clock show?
1:10
